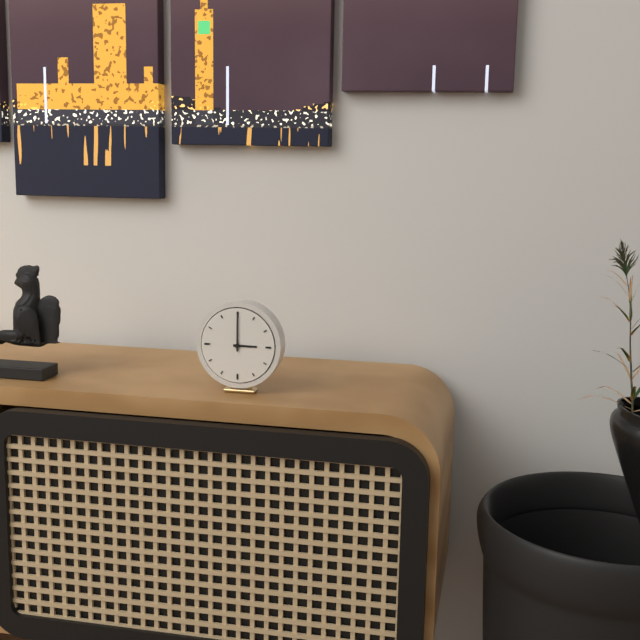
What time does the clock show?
3:00
